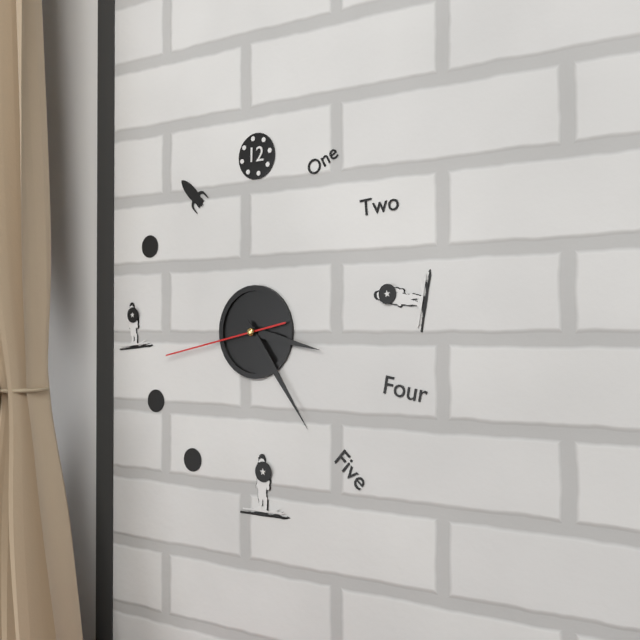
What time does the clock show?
3:24:43
